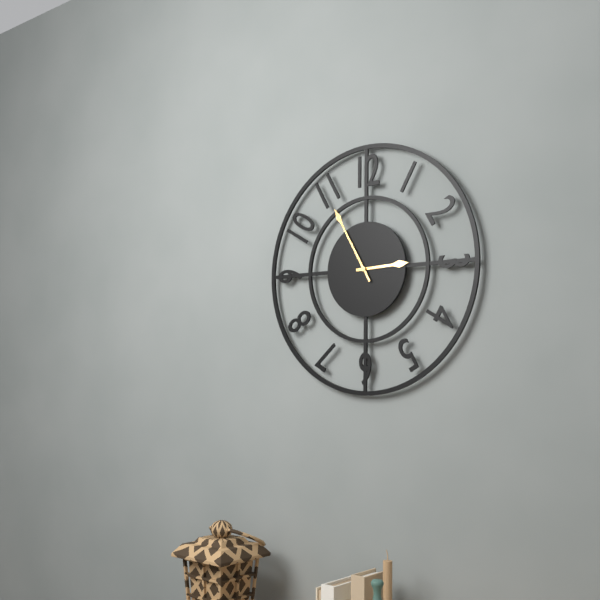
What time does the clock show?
2:55
